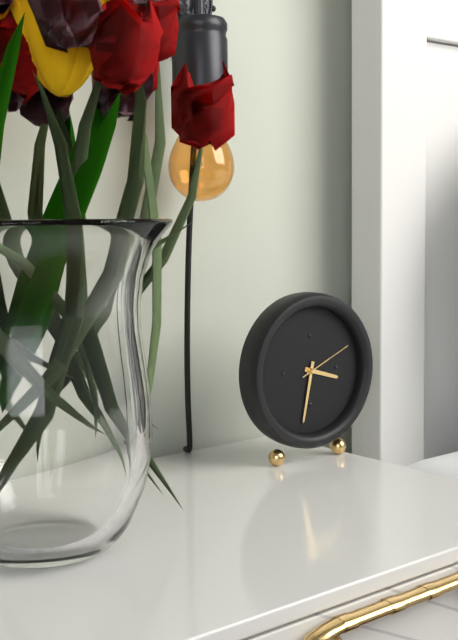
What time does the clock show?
3:32:11
